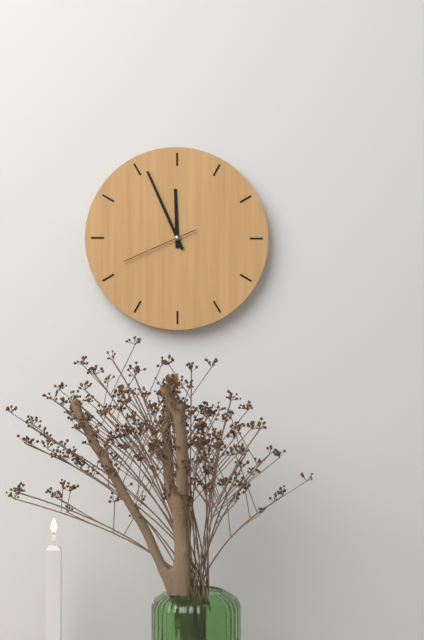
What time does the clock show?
11:56:41
